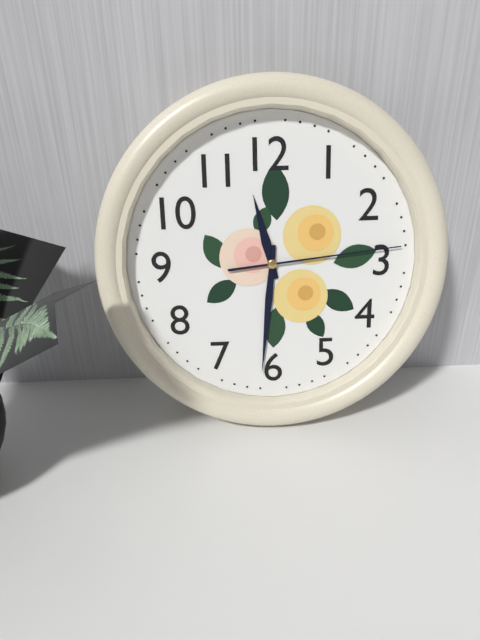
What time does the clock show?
11:31:14
